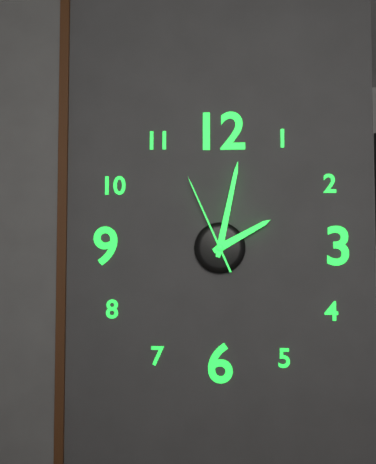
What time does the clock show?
2:02:56
